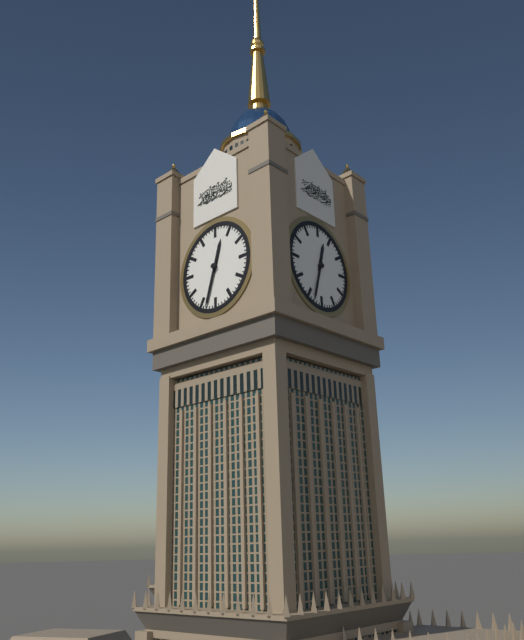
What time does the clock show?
12:33
